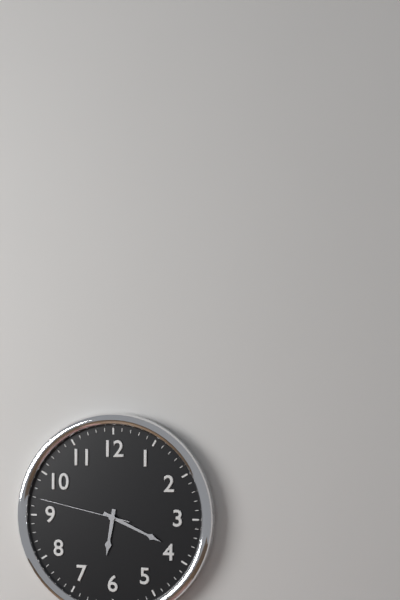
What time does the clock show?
6:19:47
